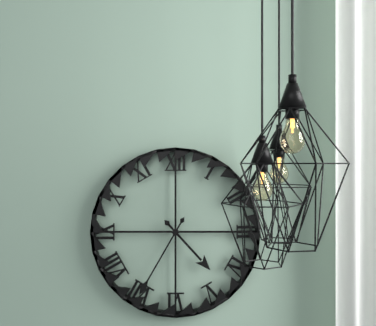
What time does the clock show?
4:35
